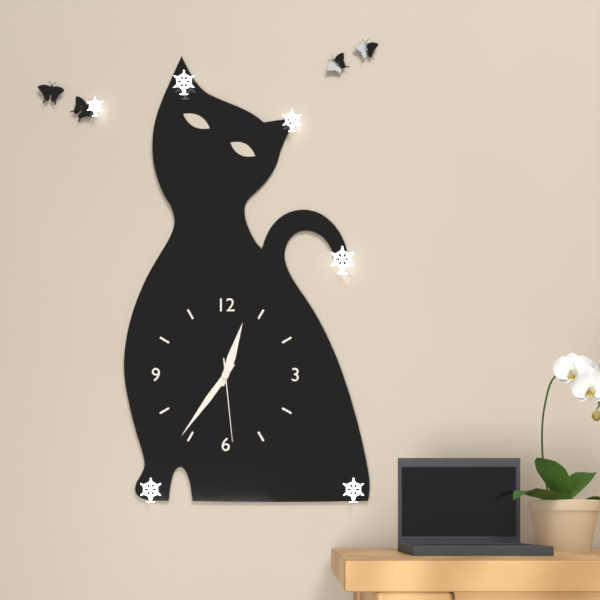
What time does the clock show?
12:36:29
